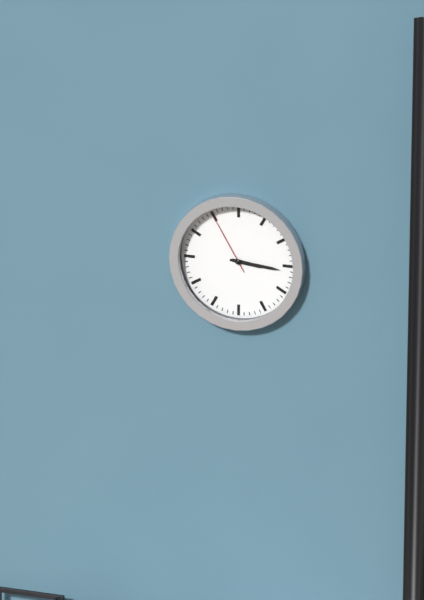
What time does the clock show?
3:16:55
